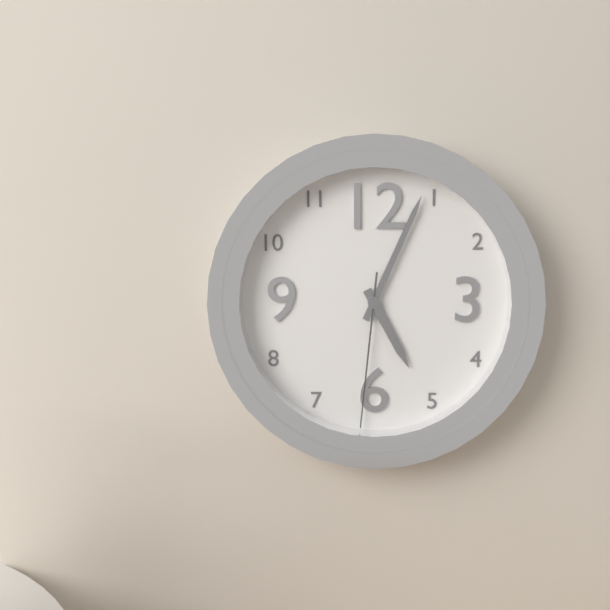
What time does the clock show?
5:04:31
